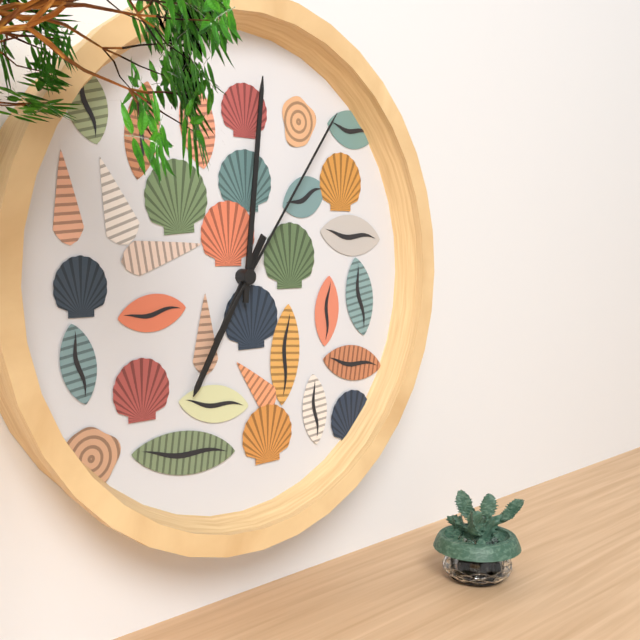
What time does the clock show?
7:01:06
